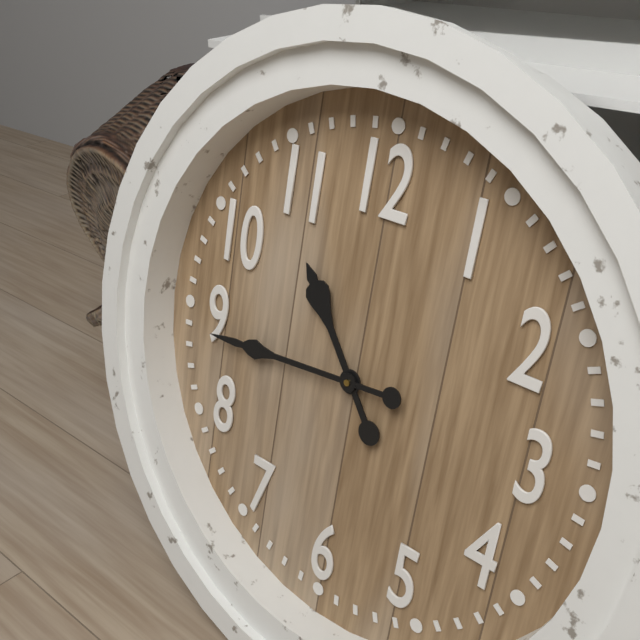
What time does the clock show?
10:44
